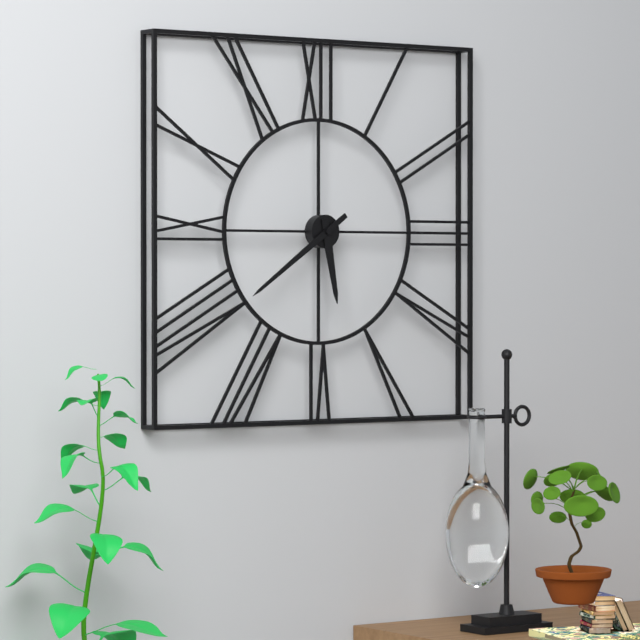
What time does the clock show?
5:39
